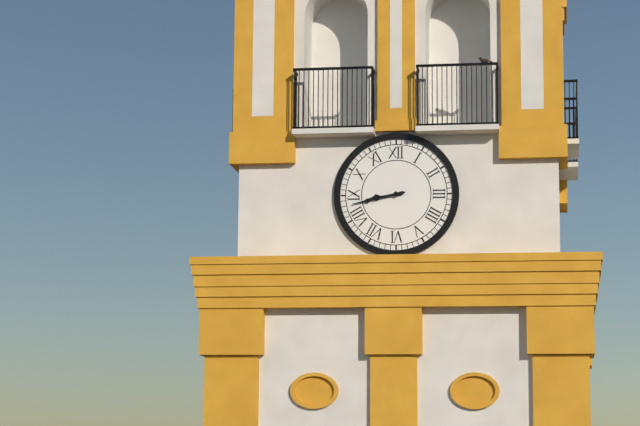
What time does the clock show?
8:43
